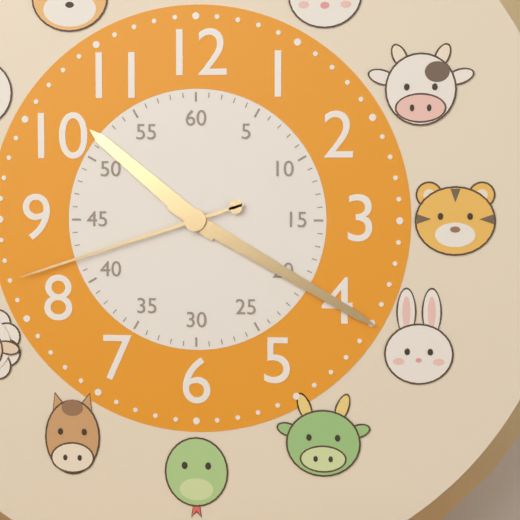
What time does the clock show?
10:20:42
